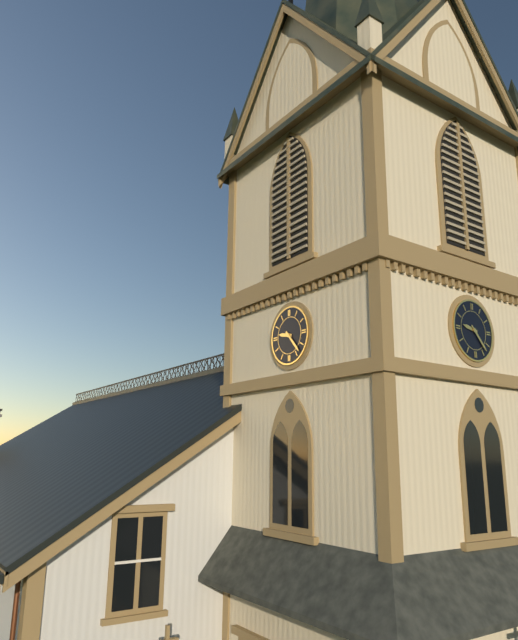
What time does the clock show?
9:23
